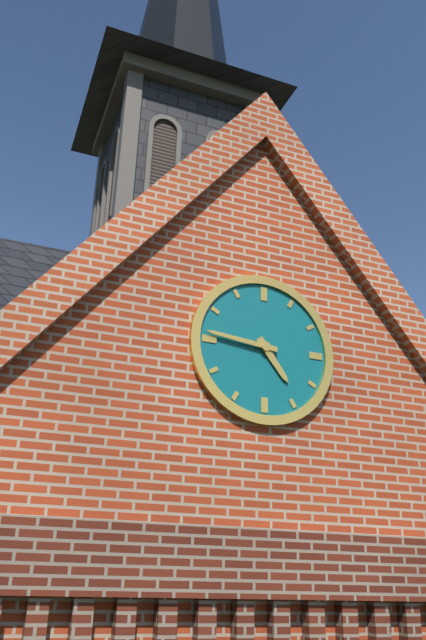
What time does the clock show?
4:46
